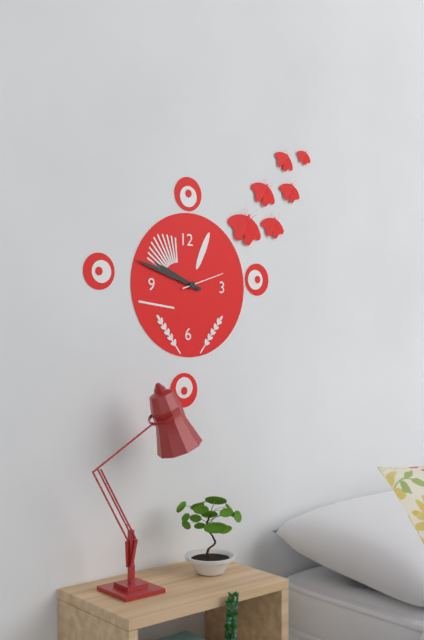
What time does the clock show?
9:48
